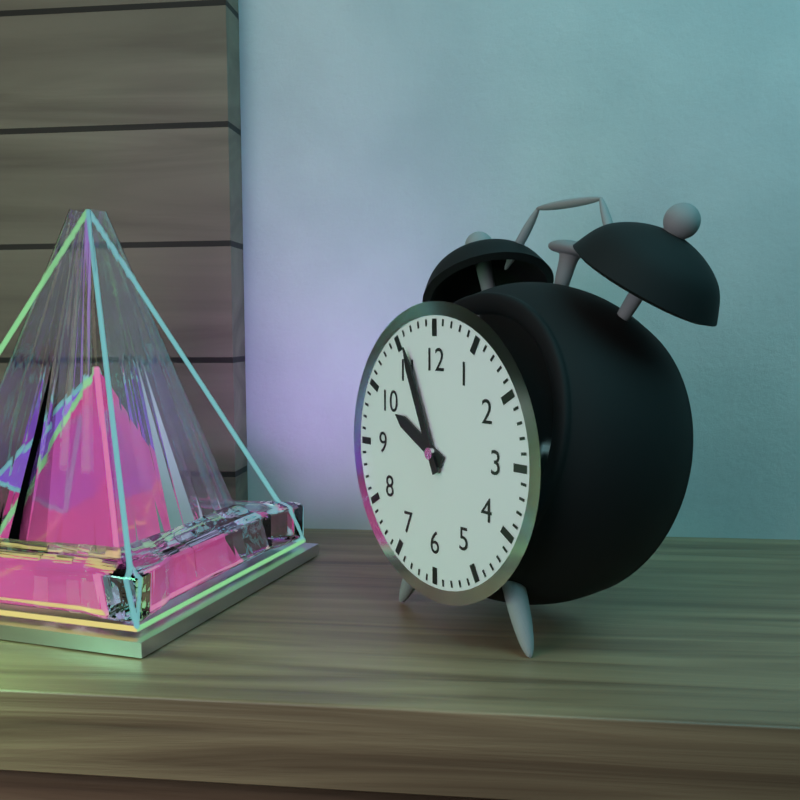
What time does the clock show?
9:56
